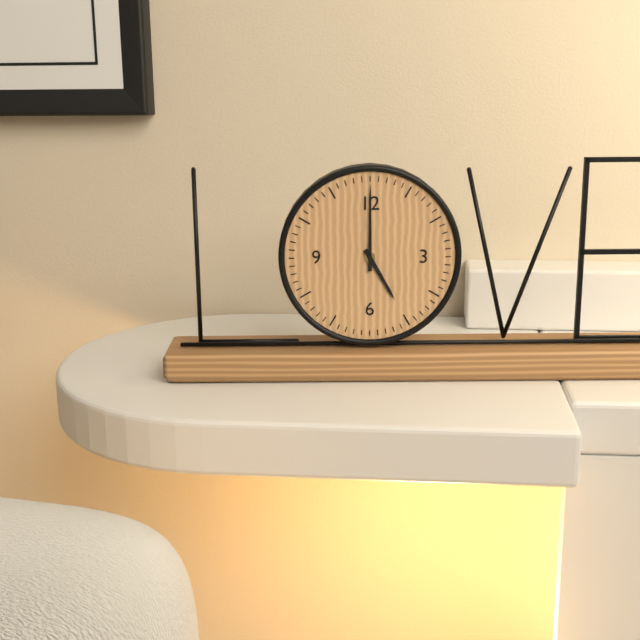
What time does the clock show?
5:00
